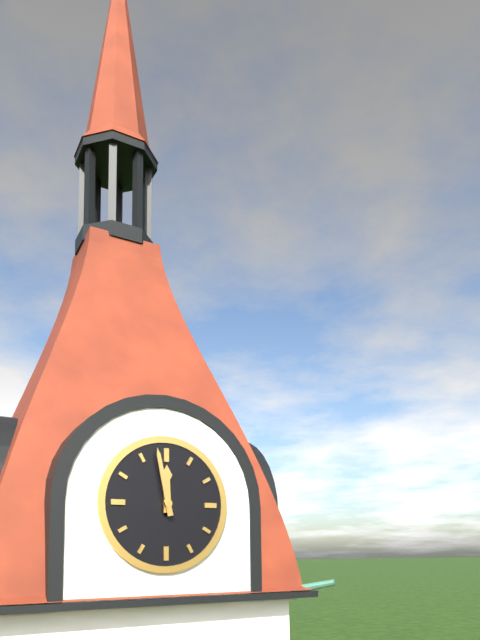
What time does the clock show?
11:58
